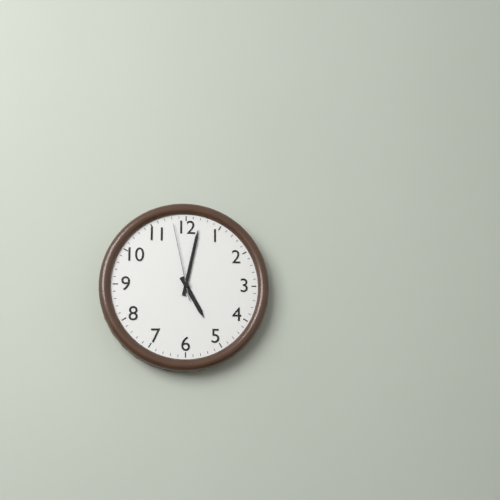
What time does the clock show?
5:02:58
